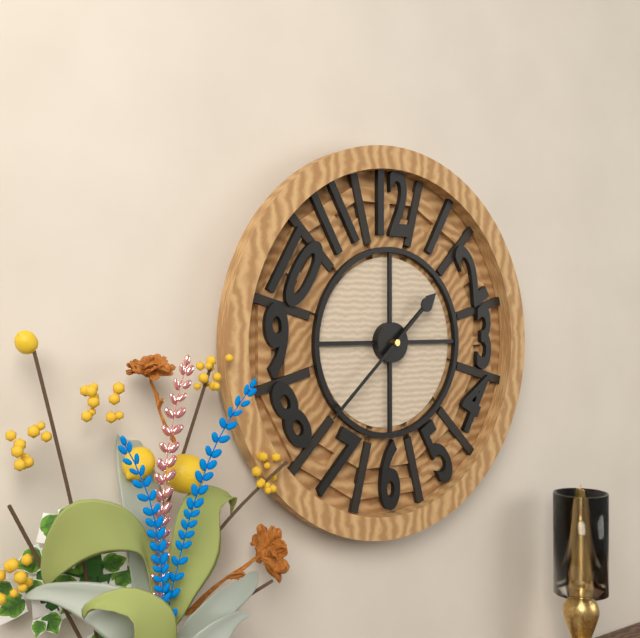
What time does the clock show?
1:38
